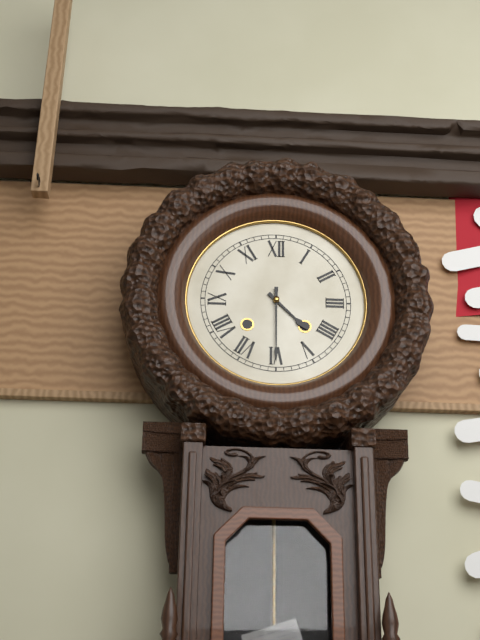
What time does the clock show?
4:30
